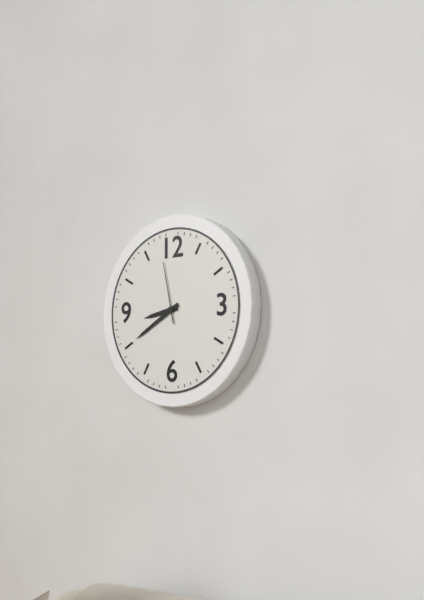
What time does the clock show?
8:40:58
